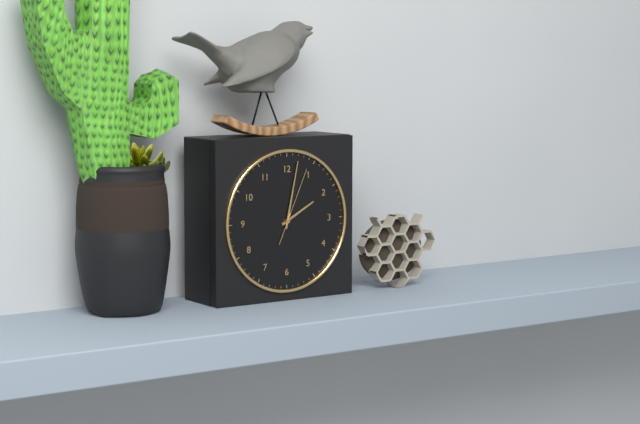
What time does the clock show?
2:02:04
